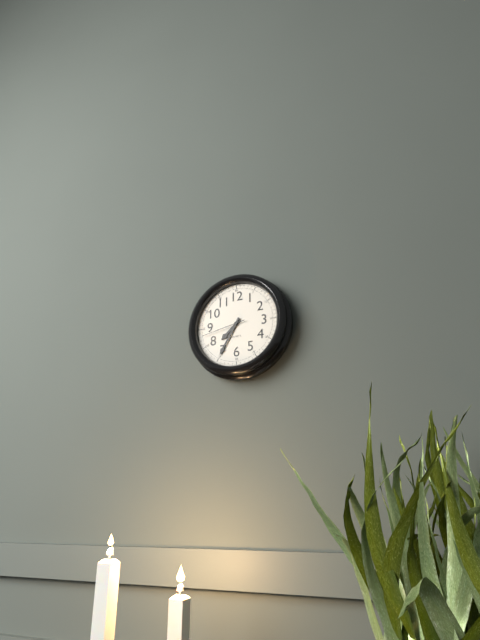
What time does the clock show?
7:35
